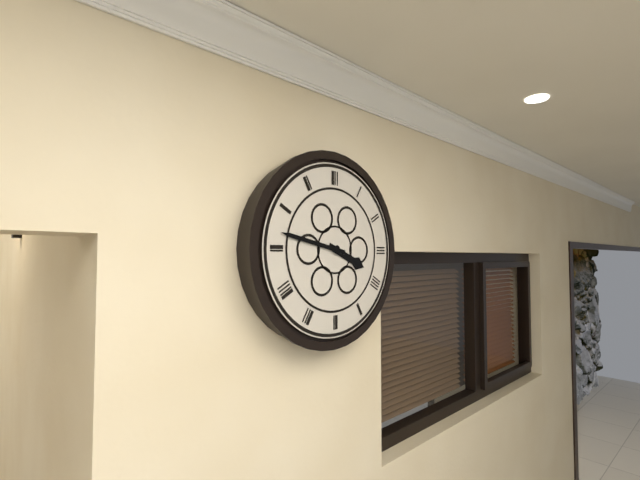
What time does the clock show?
3:47
